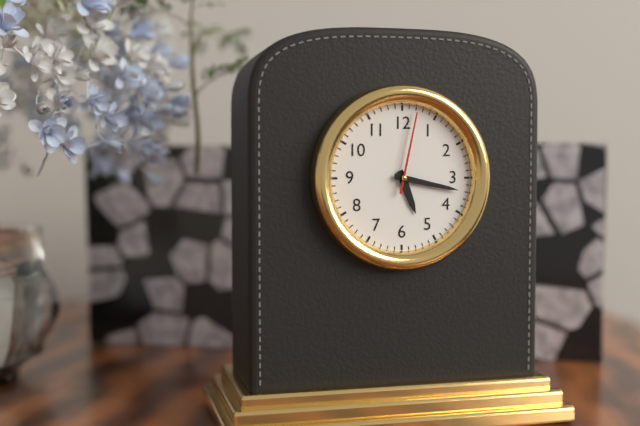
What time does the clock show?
5:17:02
